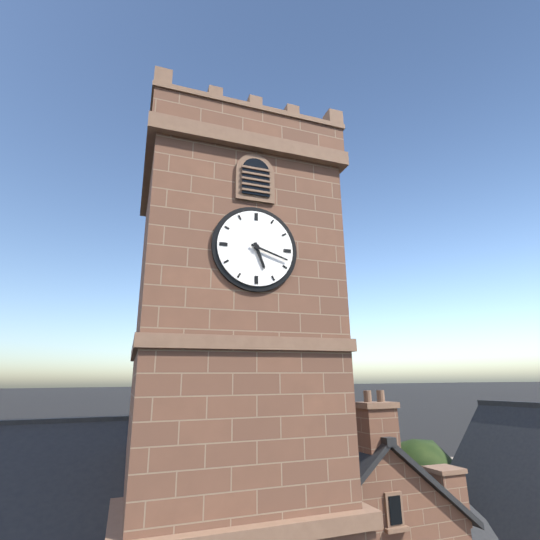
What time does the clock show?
5:18
